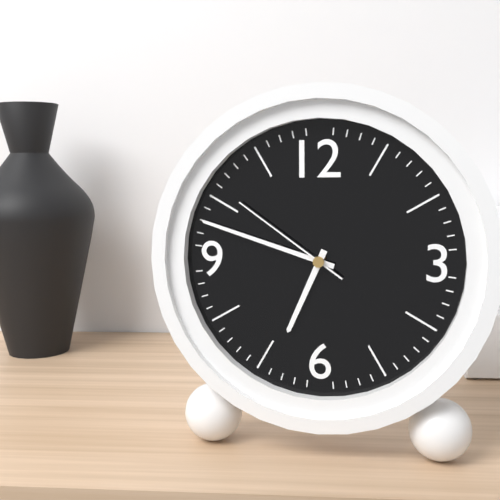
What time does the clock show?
6:48:51
